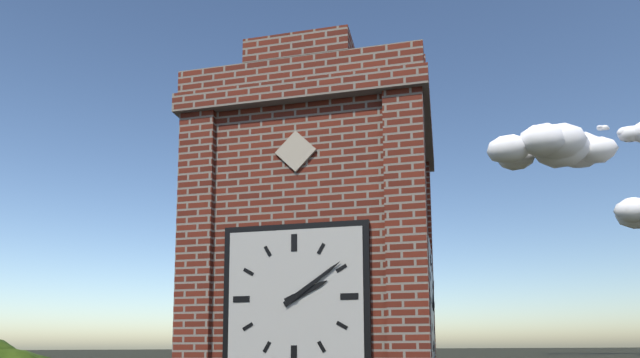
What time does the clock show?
2:09
